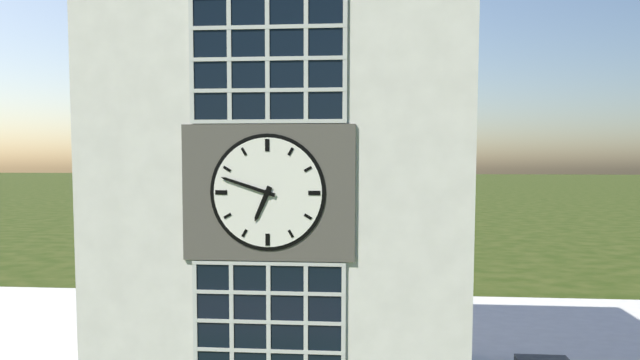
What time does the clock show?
6:48
